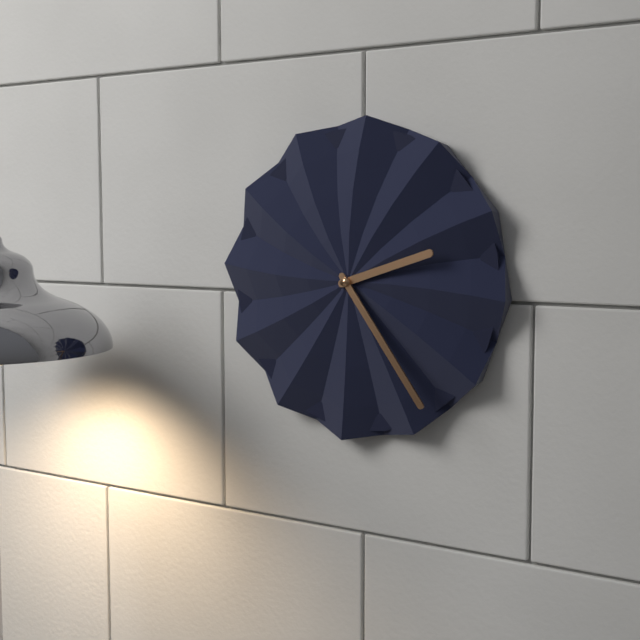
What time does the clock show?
2:24
